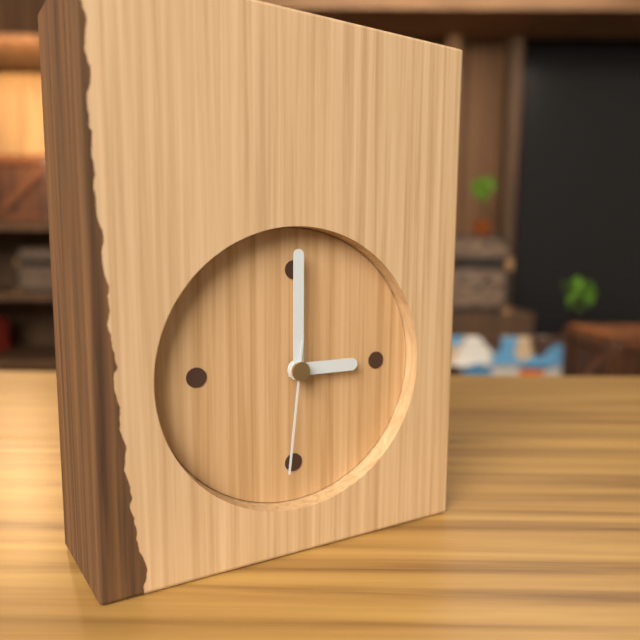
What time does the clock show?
3:00:31
